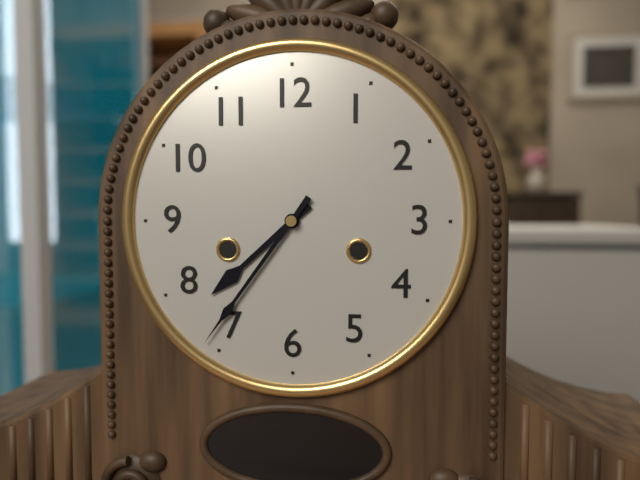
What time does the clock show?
7:36
